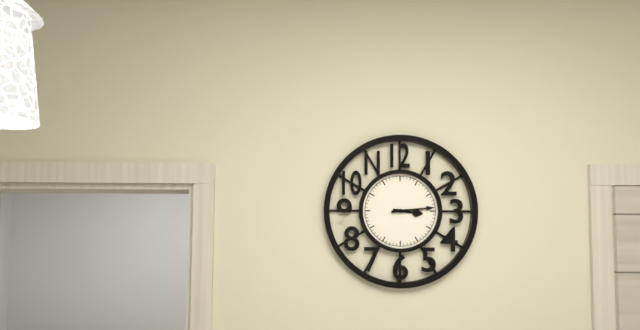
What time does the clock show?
3:14
